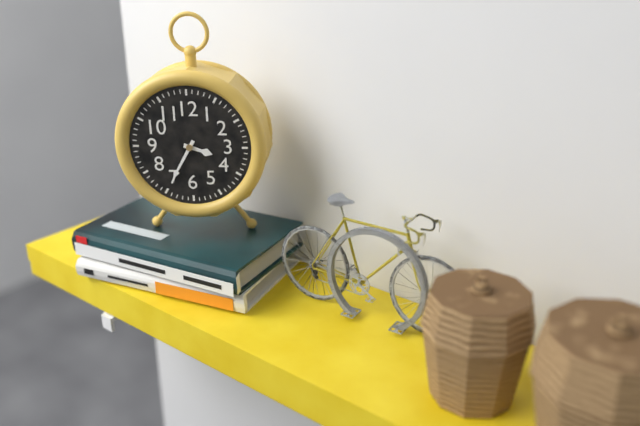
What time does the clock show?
3:35
